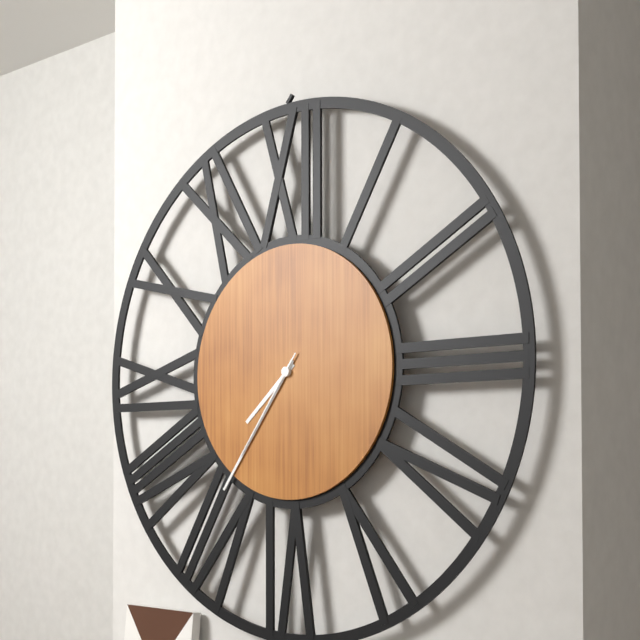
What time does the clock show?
7:36:36
